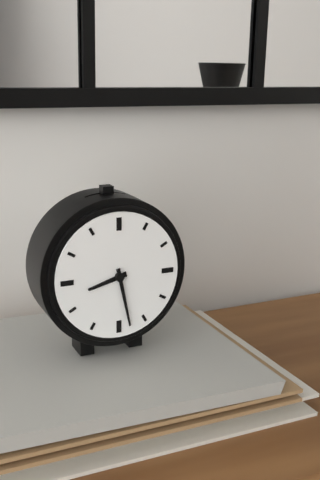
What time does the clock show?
8:28
